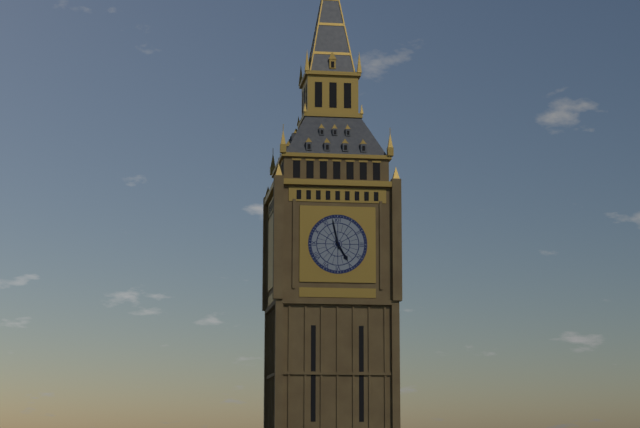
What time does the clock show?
4:58
